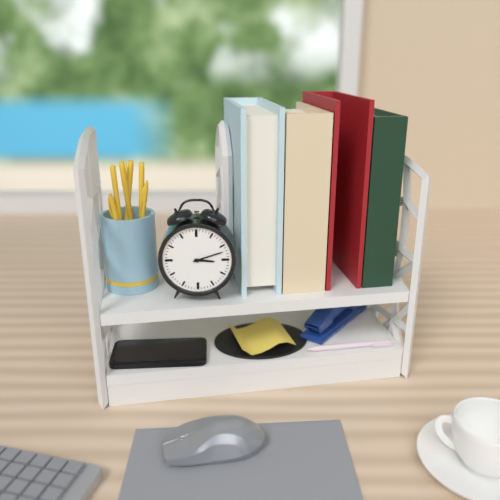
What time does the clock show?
3:12
